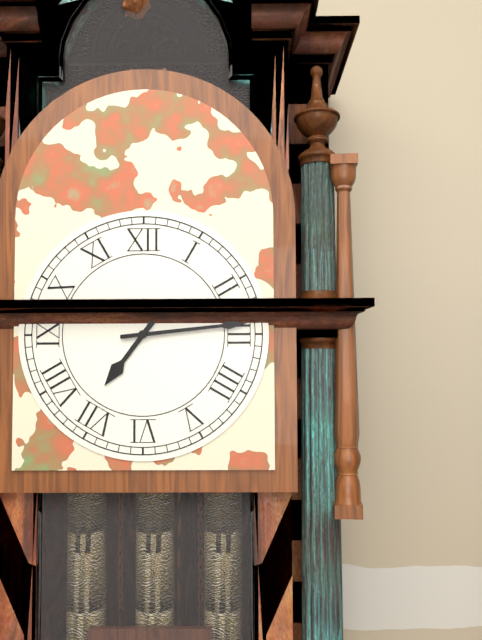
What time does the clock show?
7:14
